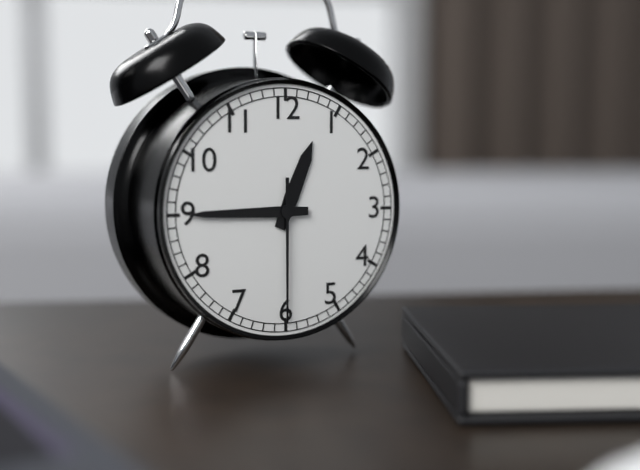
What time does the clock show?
12:45:30
